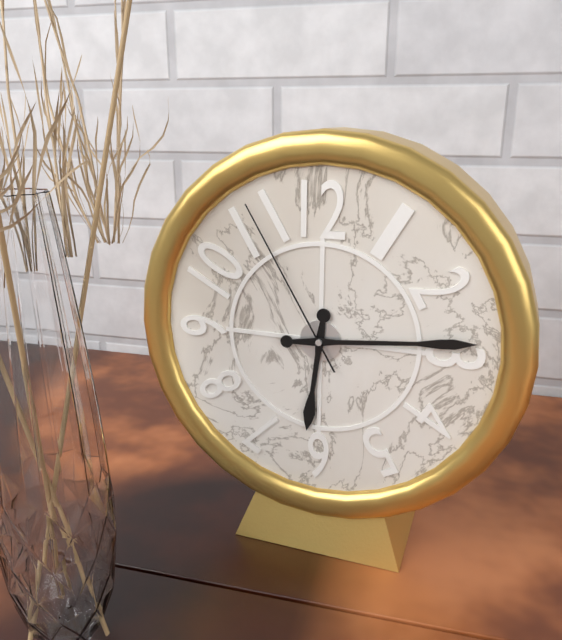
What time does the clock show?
6:14:55
